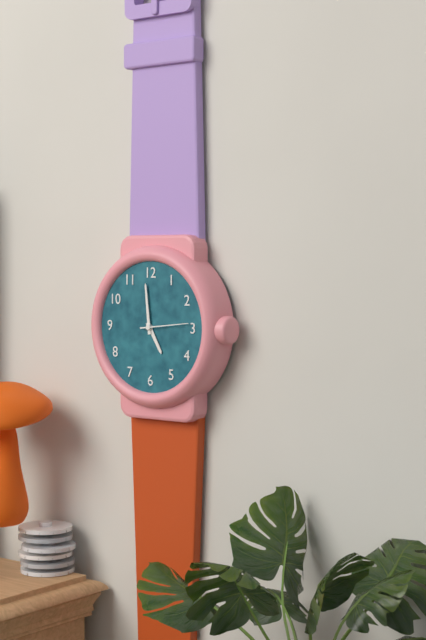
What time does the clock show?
4:59
